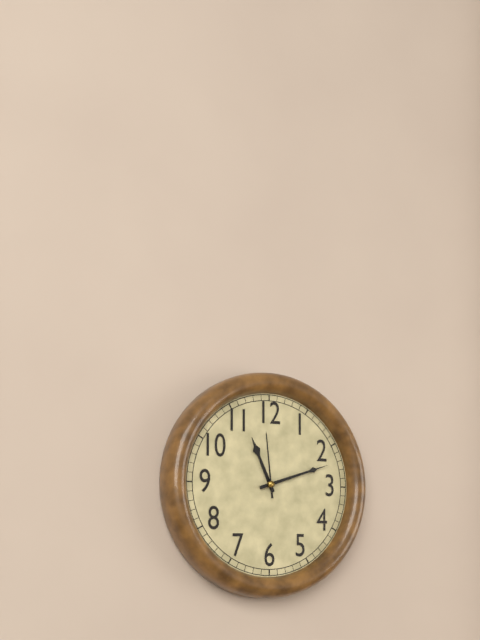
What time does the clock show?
11:12:59
